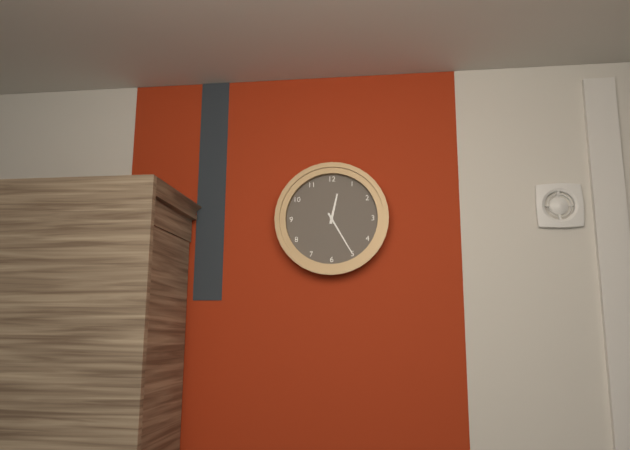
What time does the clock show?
12:25
